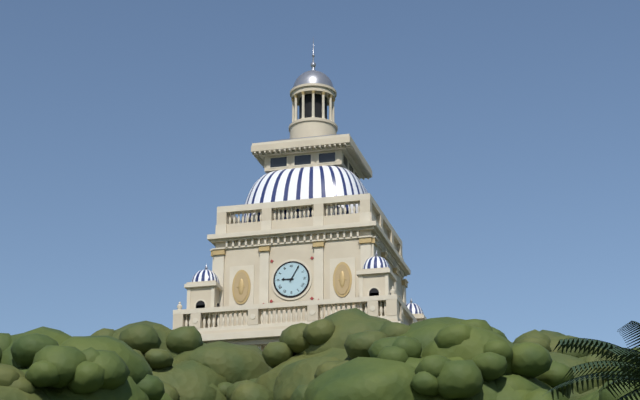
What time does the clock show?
9:05
